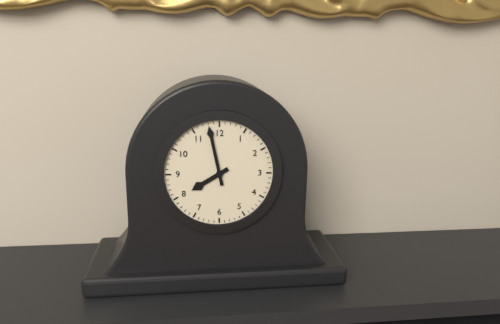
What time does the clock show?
7:58
